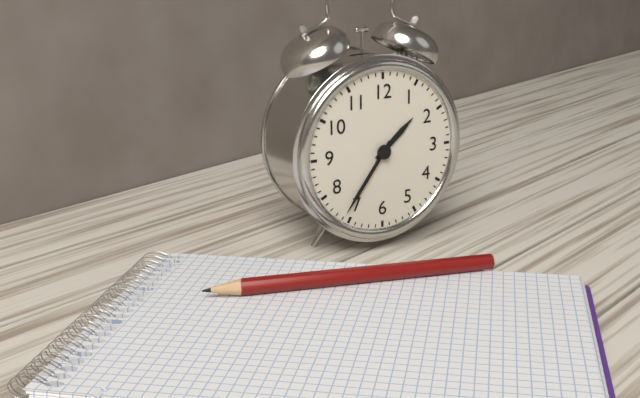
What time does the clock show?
1:36
